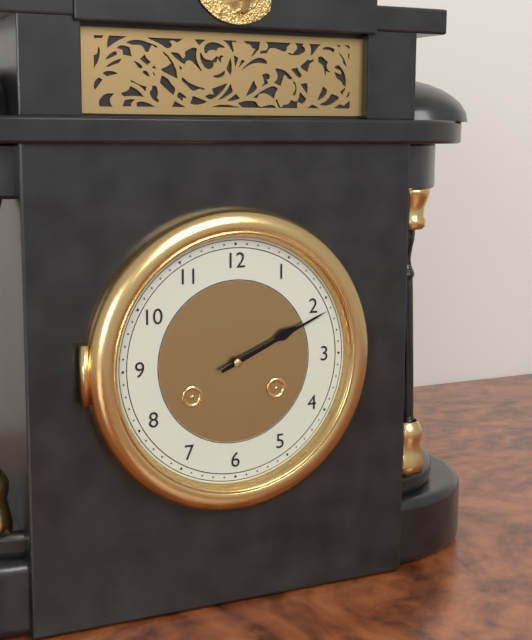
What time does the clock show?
2:11
